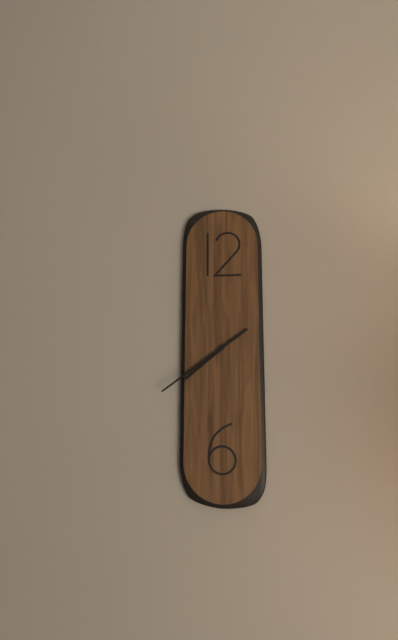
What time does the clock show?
7:39
